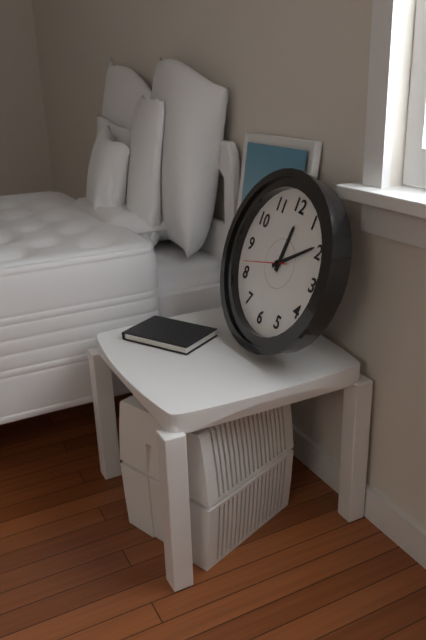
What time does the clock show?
12:09
